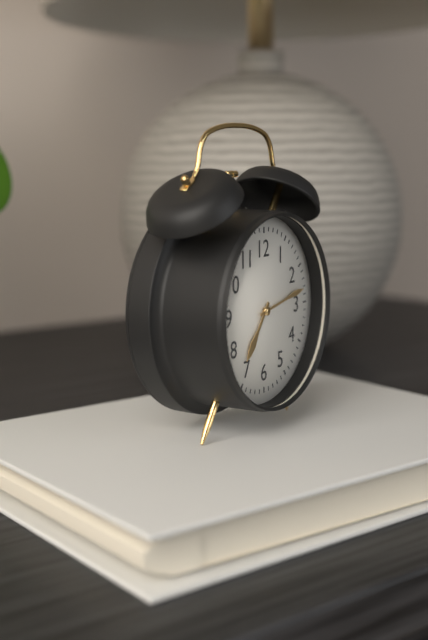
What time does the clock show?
7:13
